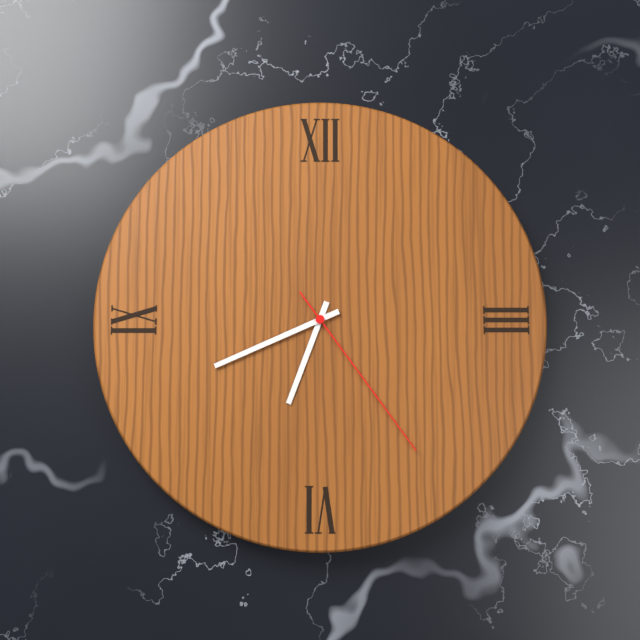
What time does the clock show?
6:41:24
